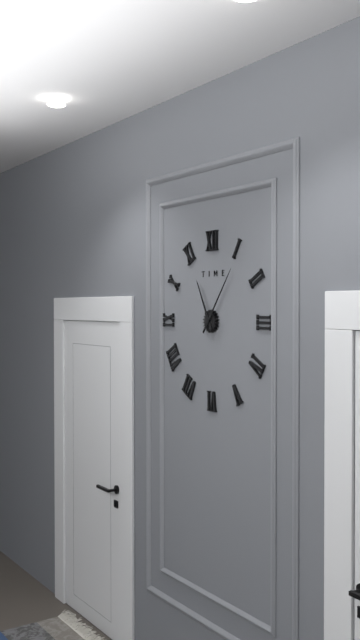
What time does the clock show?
11:06
